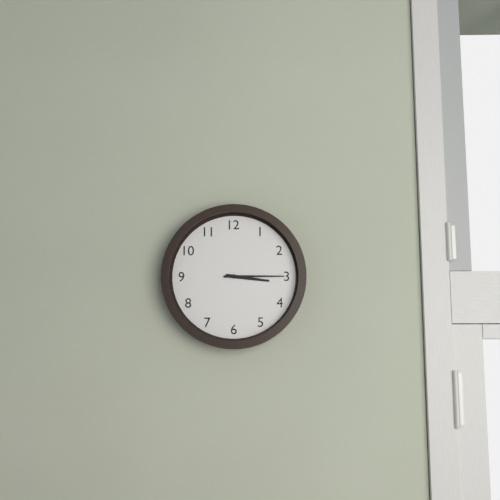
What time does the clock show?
3:15
